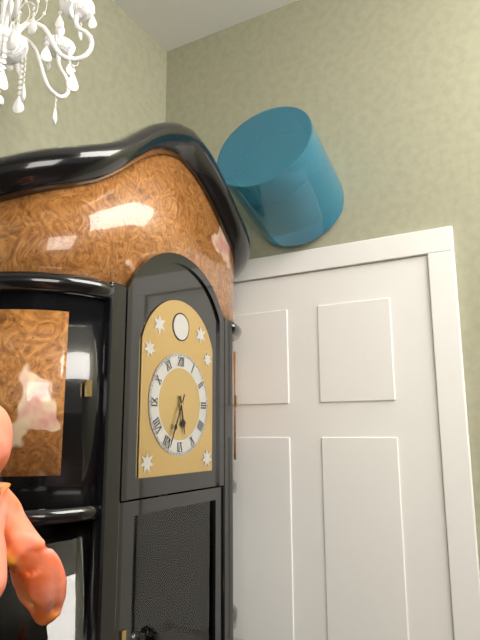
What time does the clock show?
5:34
